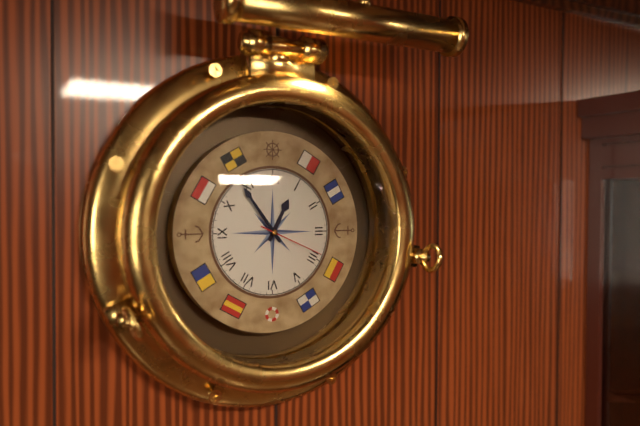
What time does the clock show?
12:54:19
